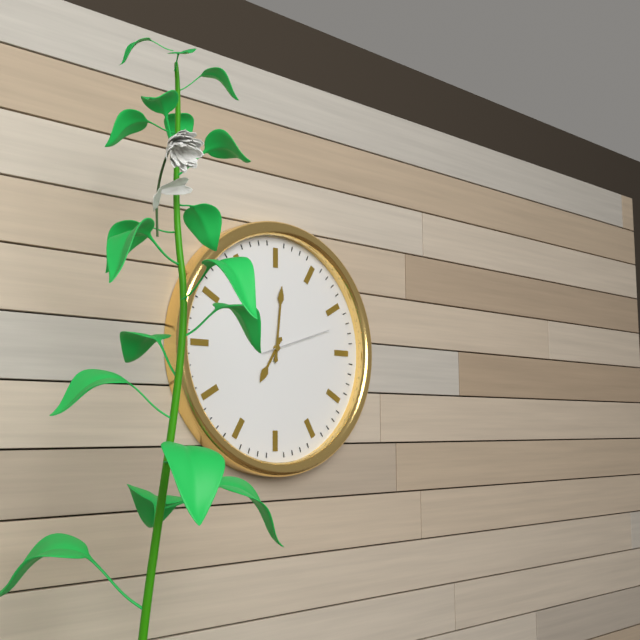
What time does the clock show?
7:01:12
